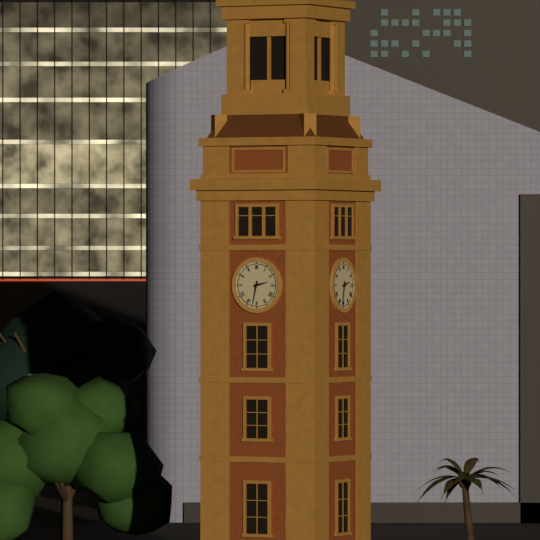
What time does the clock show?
2:32
